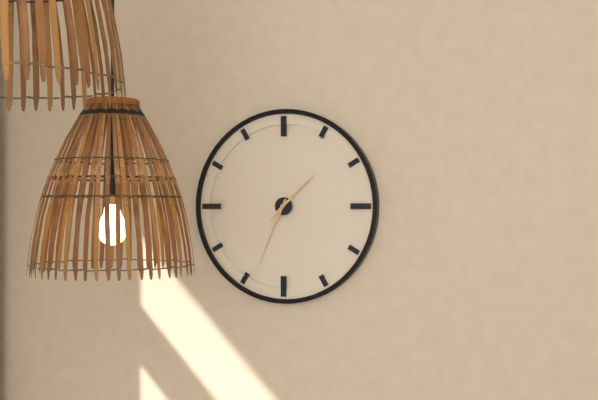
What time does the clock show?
1:34
